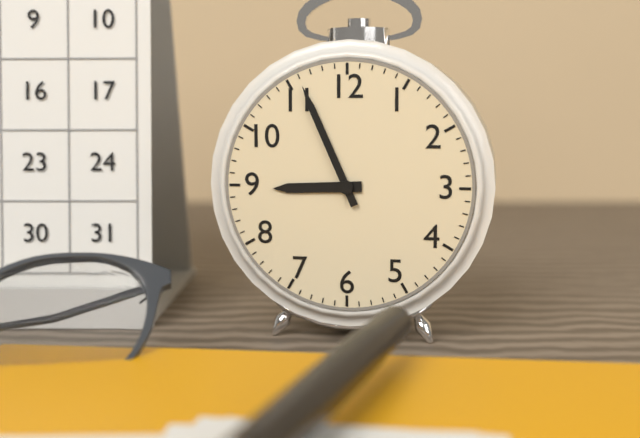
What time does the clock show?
8:56
